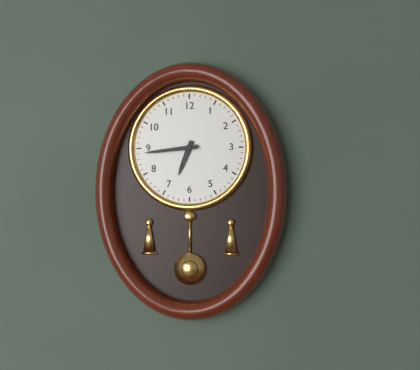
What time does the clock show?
6:44
